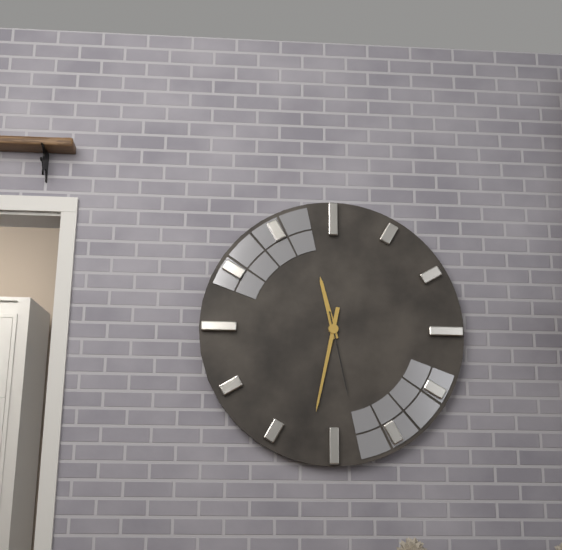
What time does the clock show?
11:32:28
